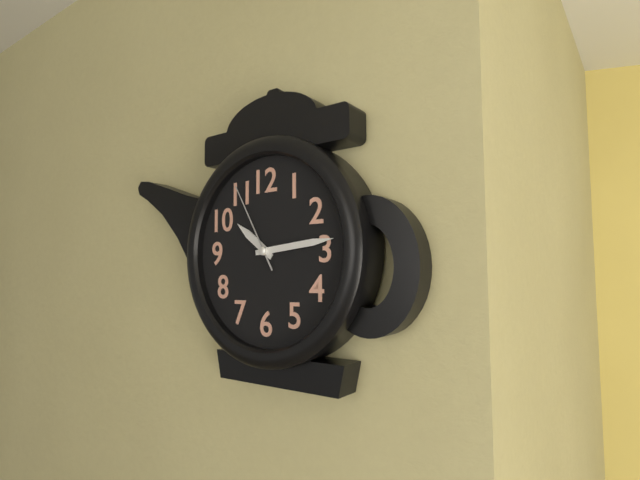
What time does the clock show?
10:14:55
